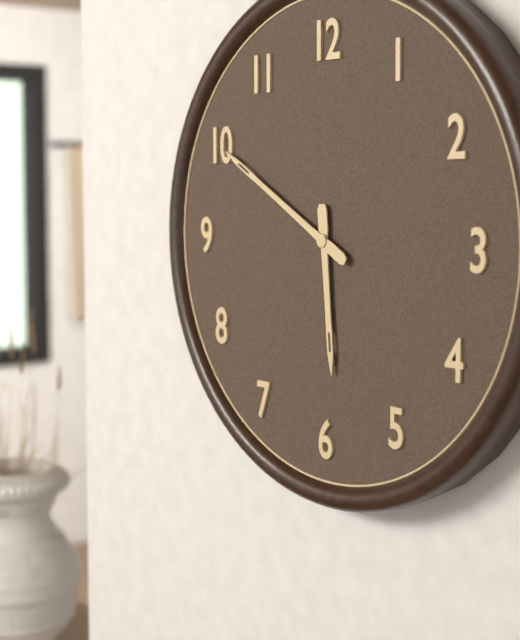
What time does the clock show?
5:50
